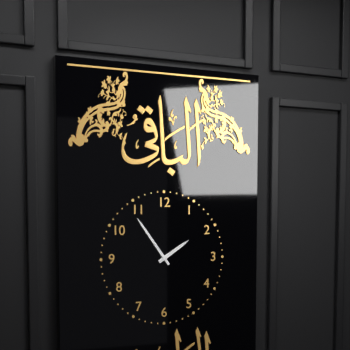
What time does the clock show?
1:54
